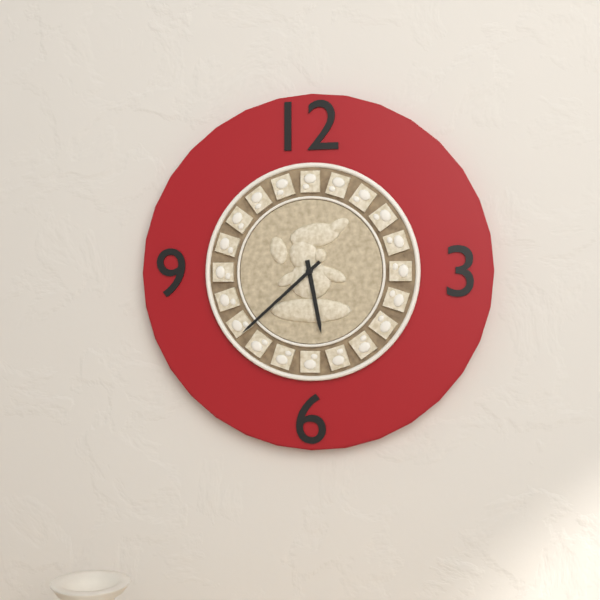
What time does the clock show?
5:38
